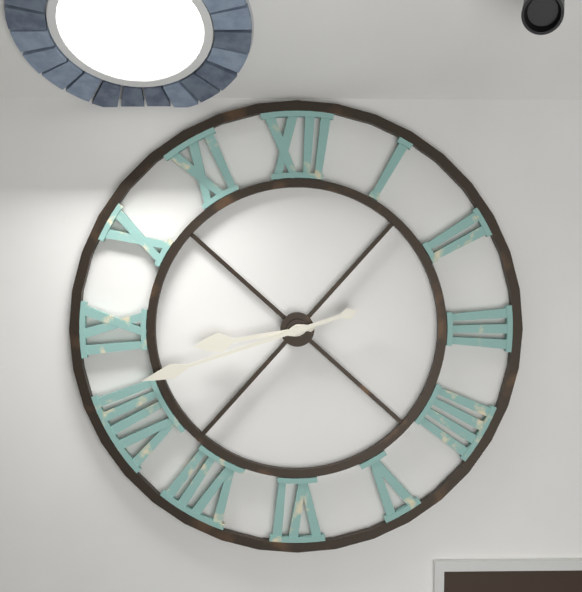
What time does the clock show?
8:42
